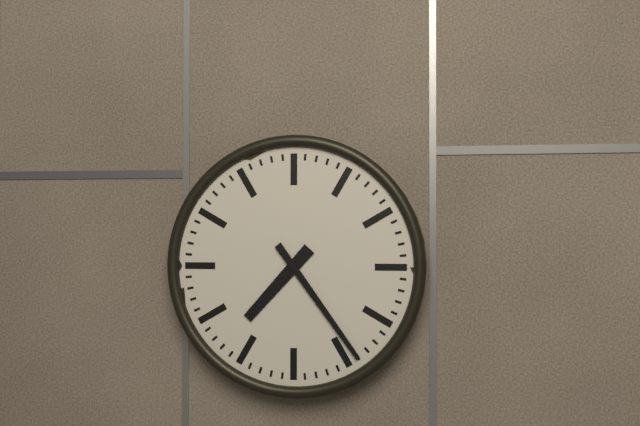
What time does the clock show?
7:24
